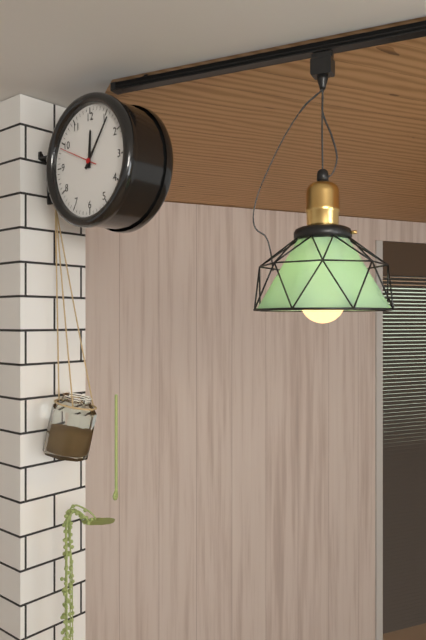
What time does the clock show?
12:06
